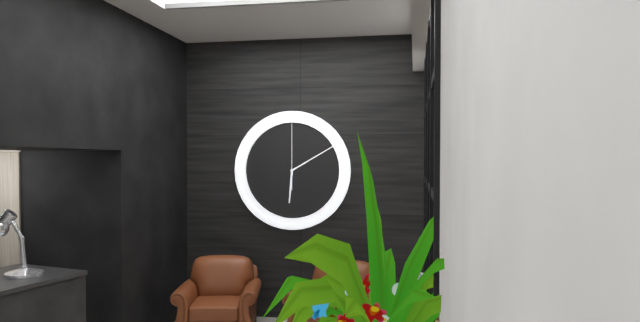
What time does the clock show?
6:10:00
